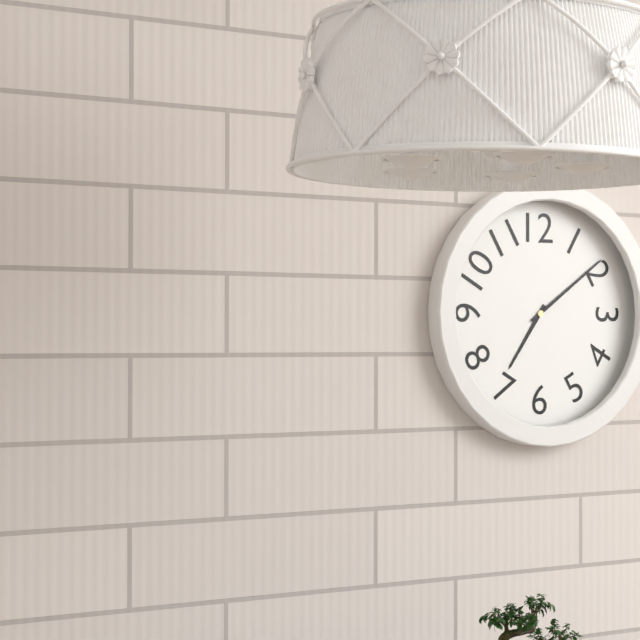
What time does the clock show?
7:09
